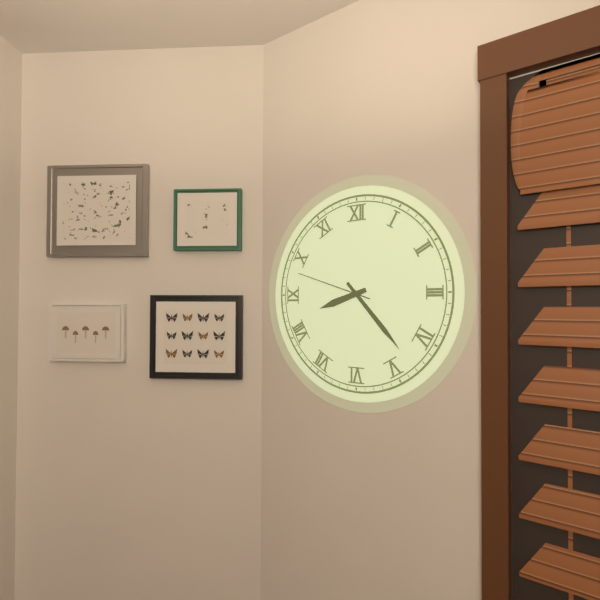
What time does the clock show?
8:23:48
